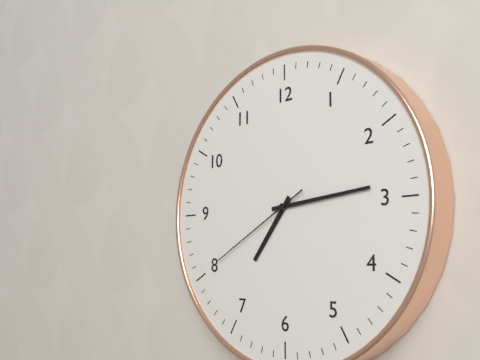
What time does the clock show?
7:14:40
